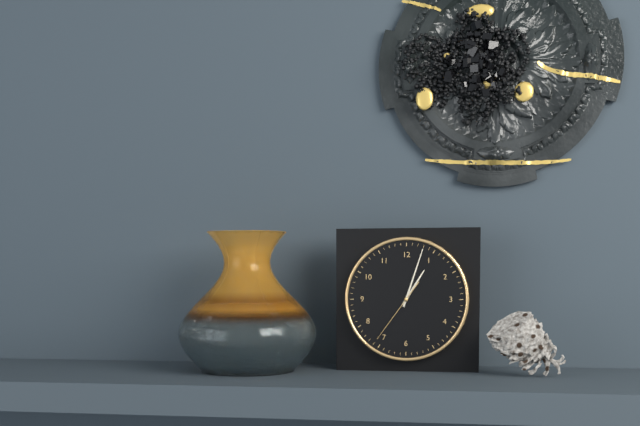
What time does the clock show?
1:03:36
